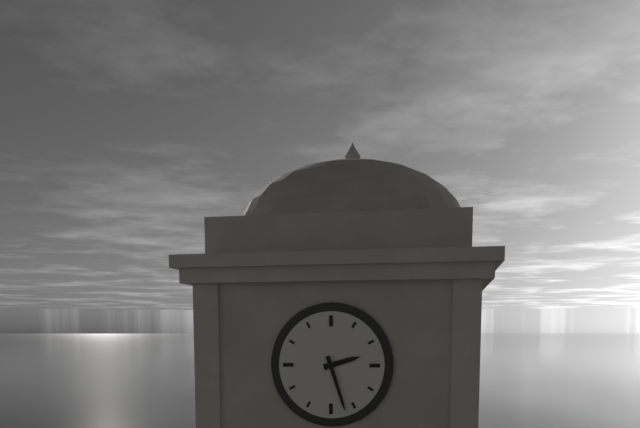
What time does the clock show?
2:27
